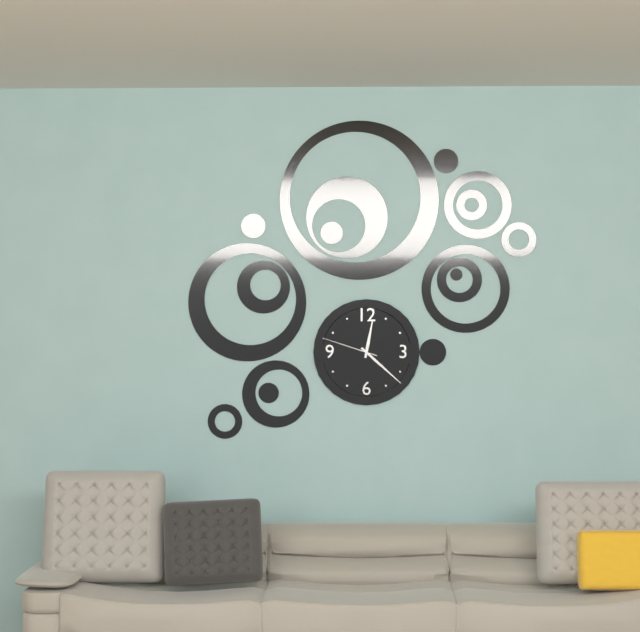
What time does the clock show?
12:22:48
